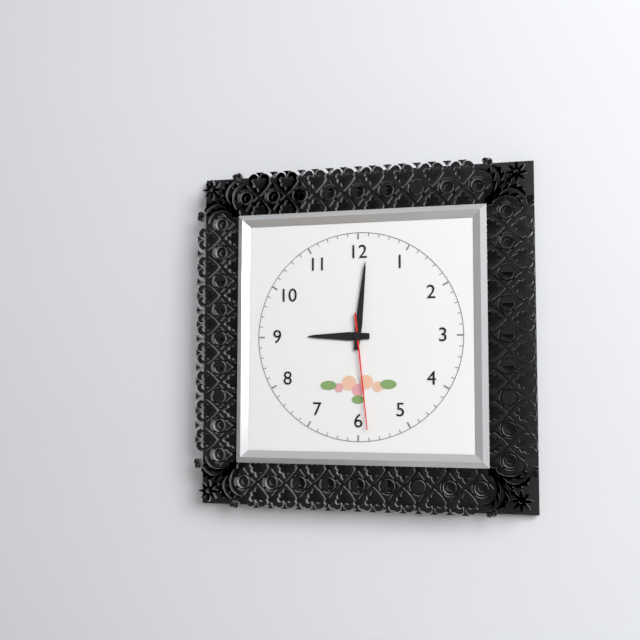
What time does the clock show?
9:01:29
